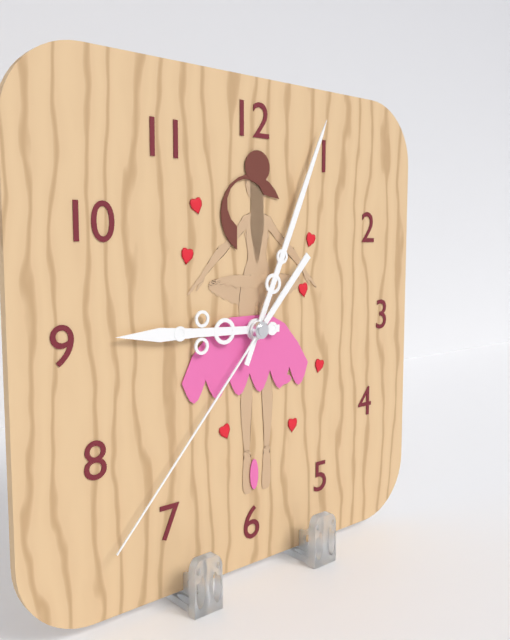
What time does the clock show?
9:04:37
